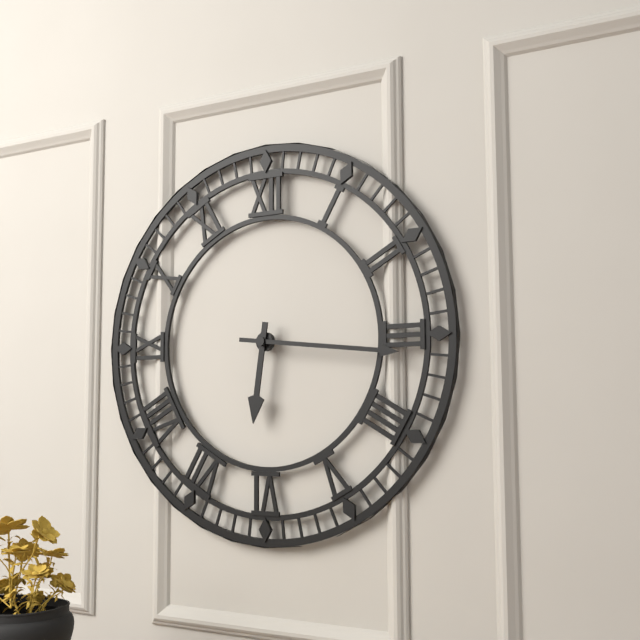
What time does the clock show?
6:16
